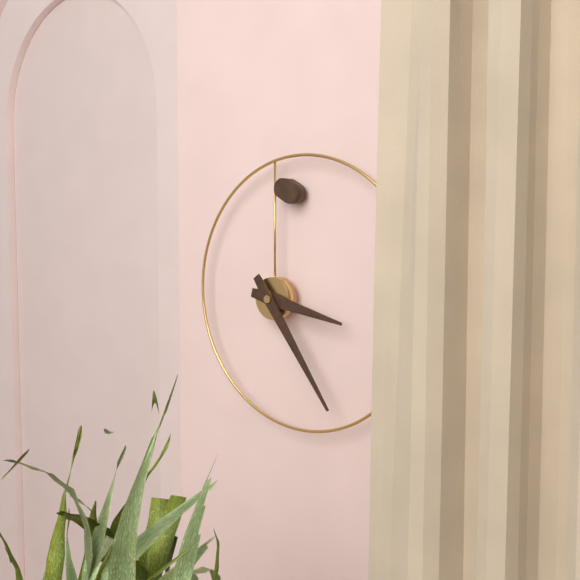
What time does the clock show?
3:24
